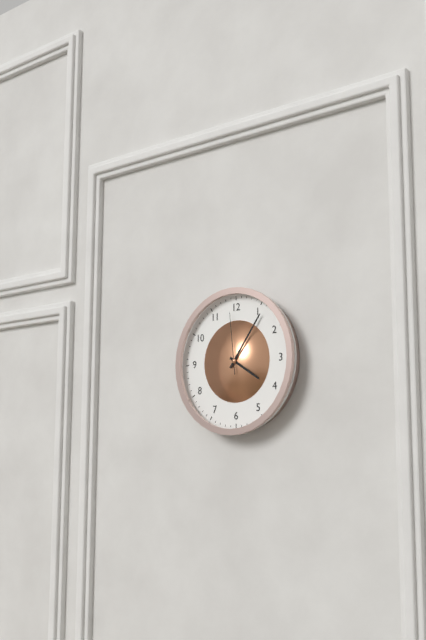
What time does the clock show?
4:06:59
